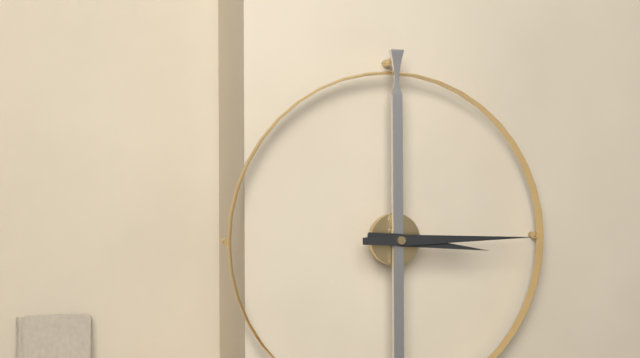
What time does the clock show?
3:15
